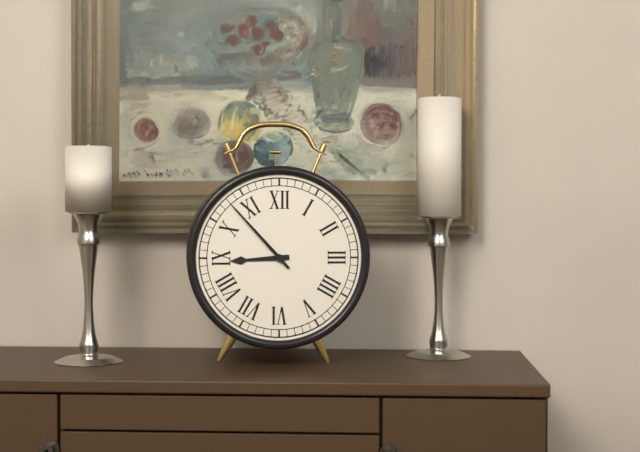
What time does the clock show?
8:53
